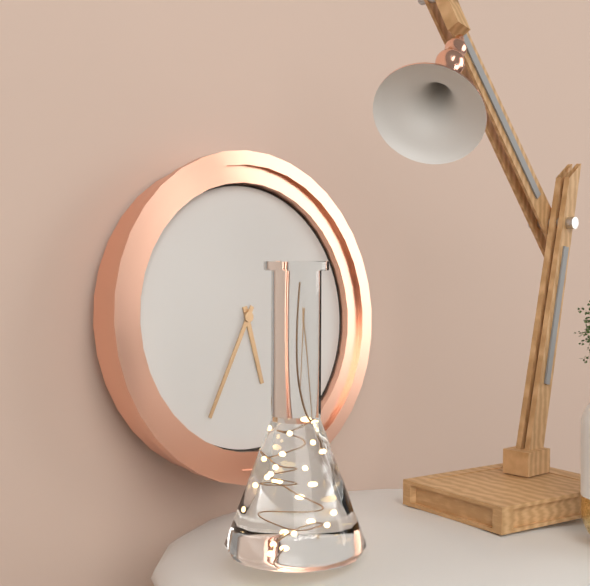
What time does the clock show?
5:35
